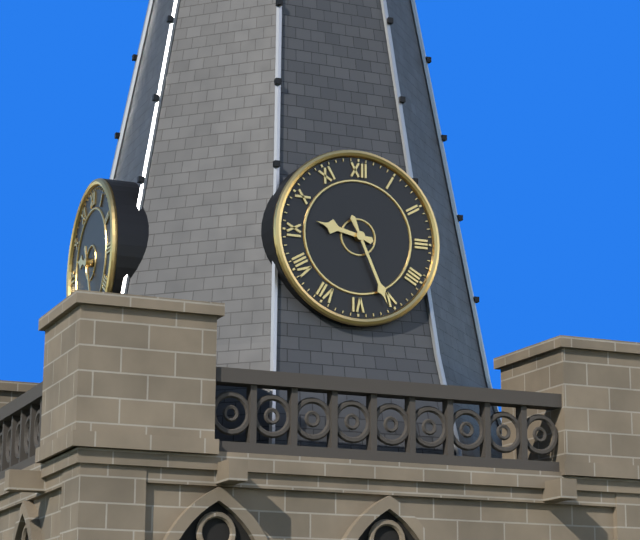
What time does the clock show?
9:26
